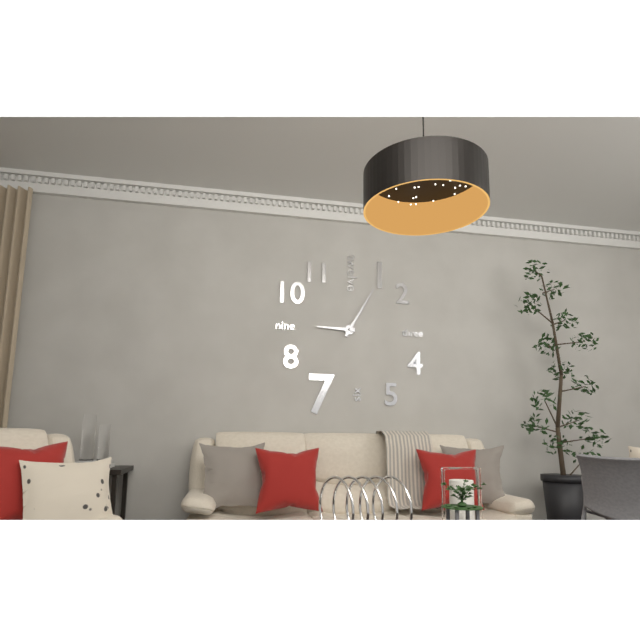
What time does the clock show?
9:05
